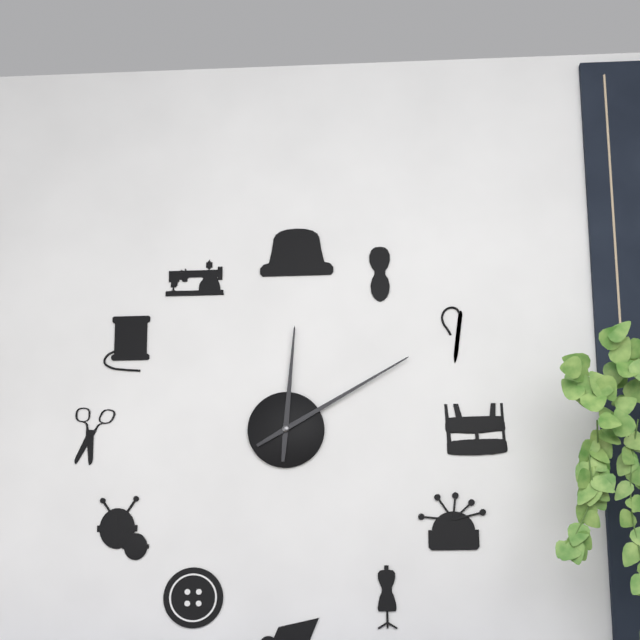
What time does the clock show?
12:10
